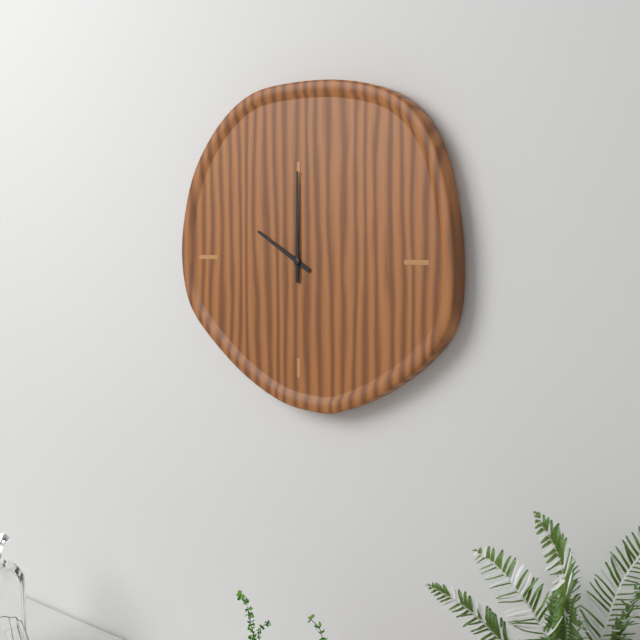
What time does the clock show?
10:00
